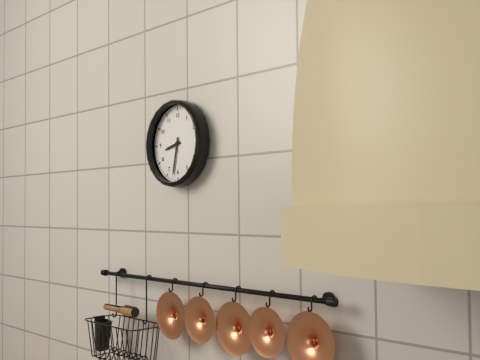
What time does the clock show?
8:32
